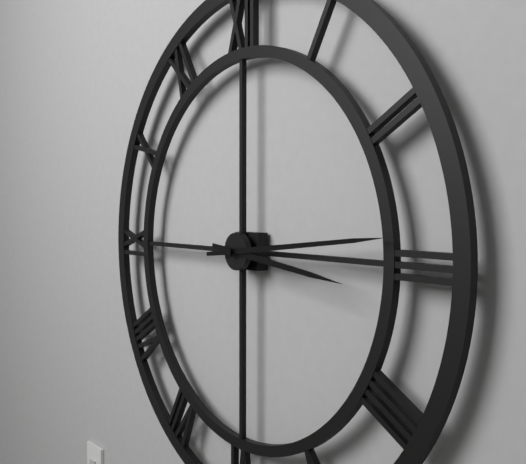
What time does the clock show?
3:14
